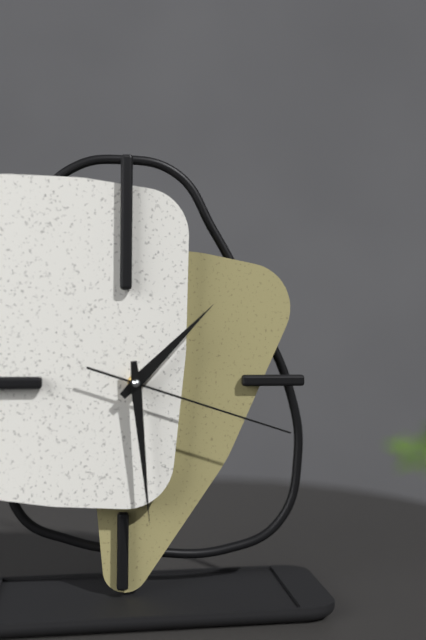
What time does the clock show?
1:29:18
